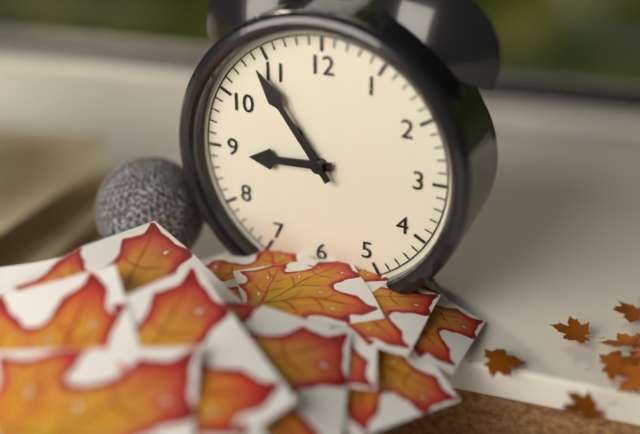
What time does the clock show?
8:54
